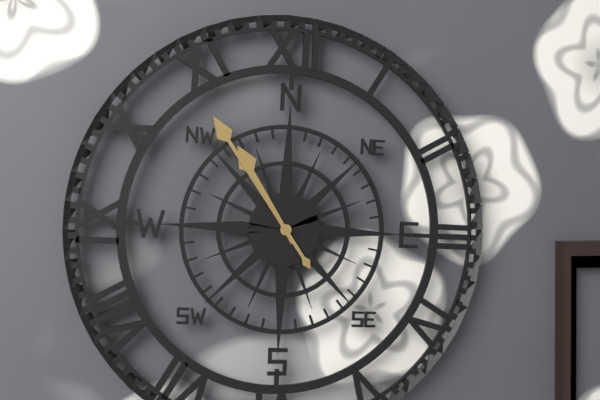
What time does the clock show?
10:54
